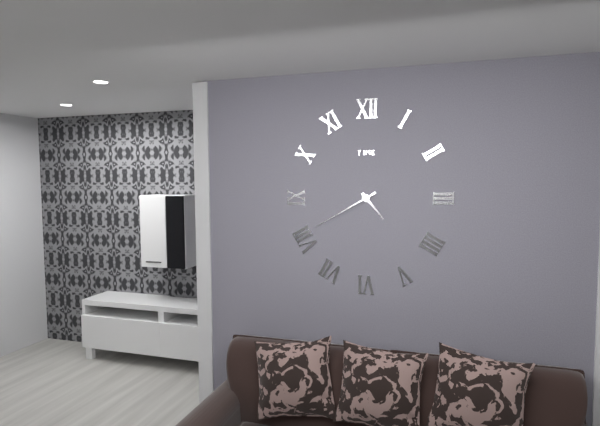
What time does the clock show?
4:40
